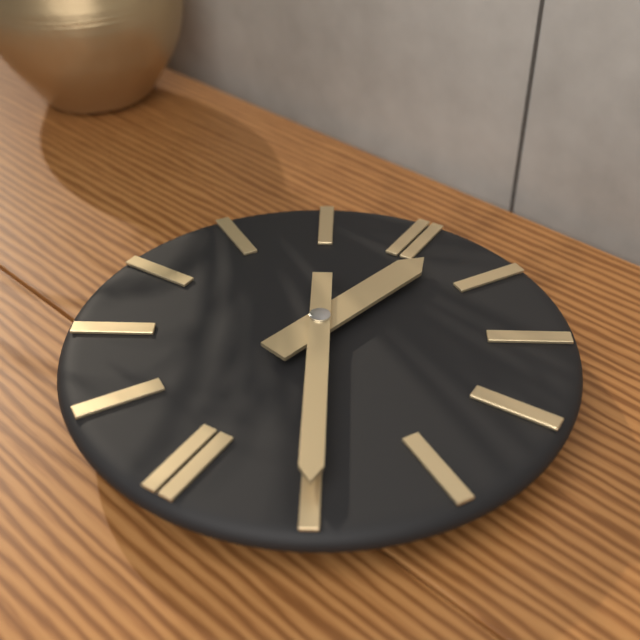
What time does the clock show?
12:25
